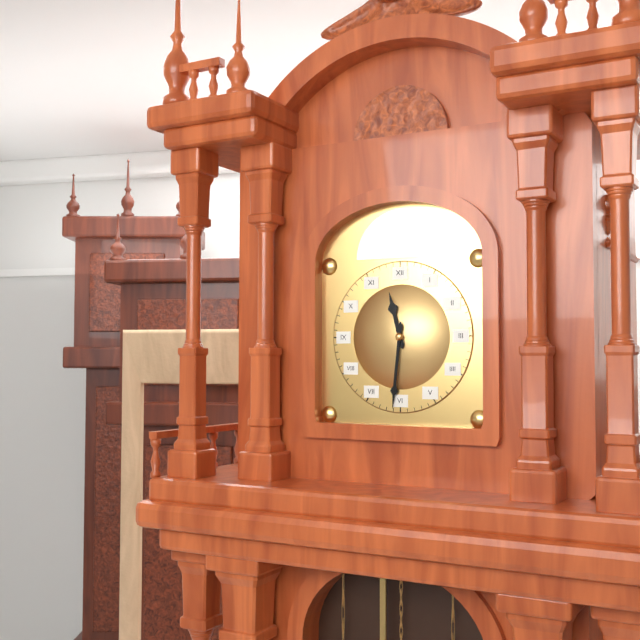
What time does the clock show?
11:31
